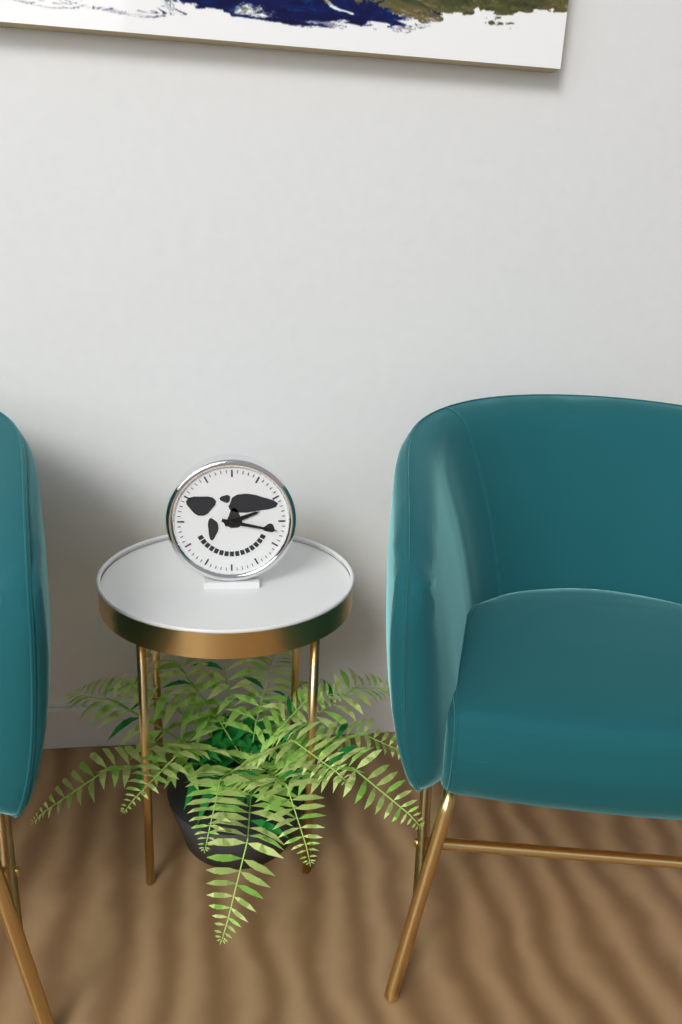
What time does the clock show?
2:17
